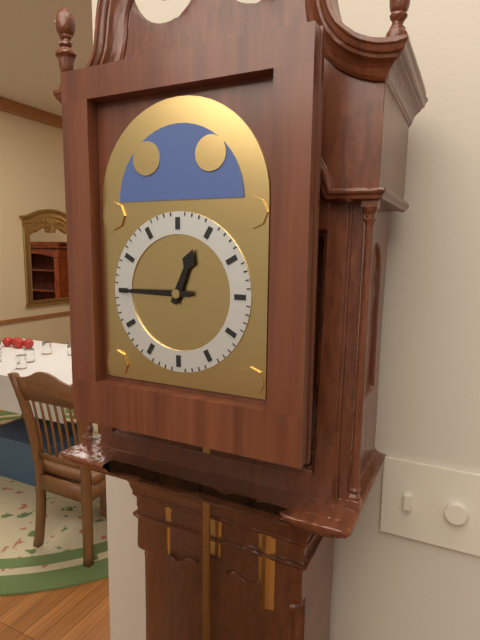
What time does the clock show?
12:45
